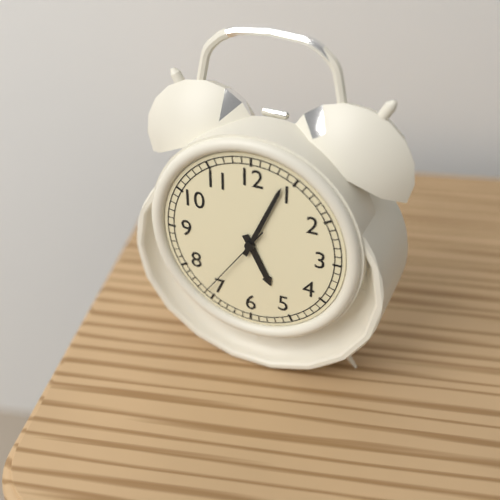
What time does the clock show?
5:04:36
